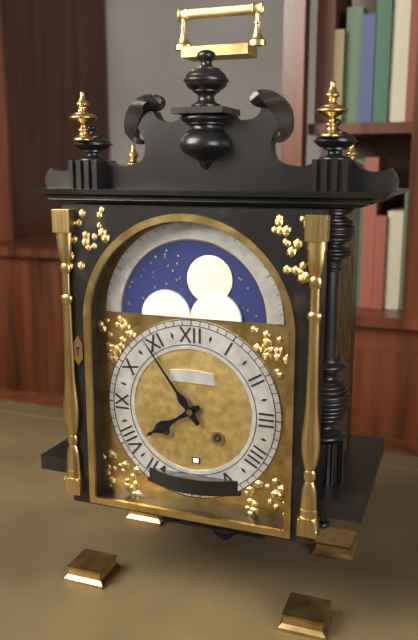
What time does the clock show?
7:54
